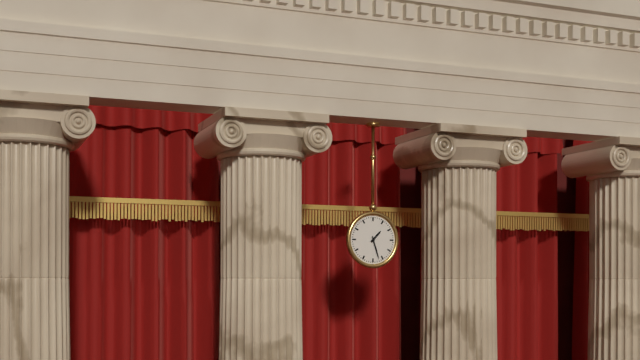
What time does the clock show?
1:27
